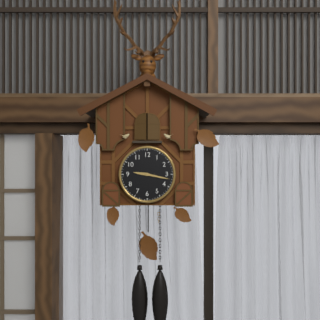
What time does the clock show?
9:17
